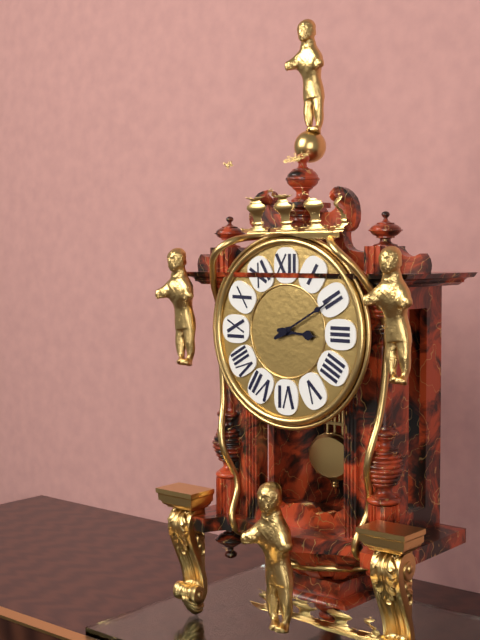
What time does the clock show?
3:10
